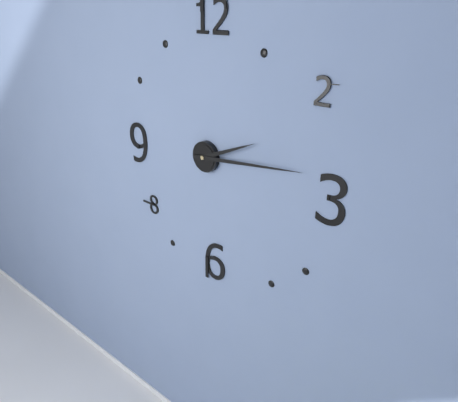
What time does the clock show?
2:14
